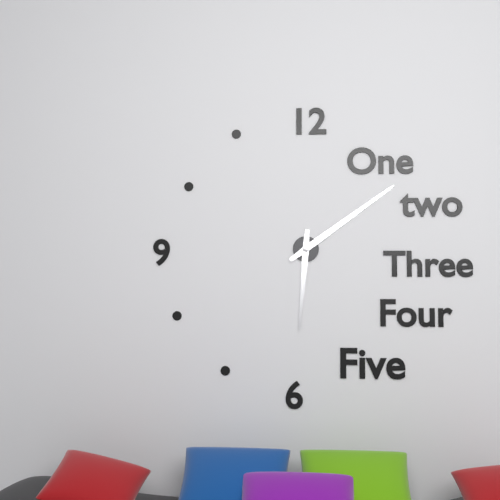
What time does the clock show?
6:09
